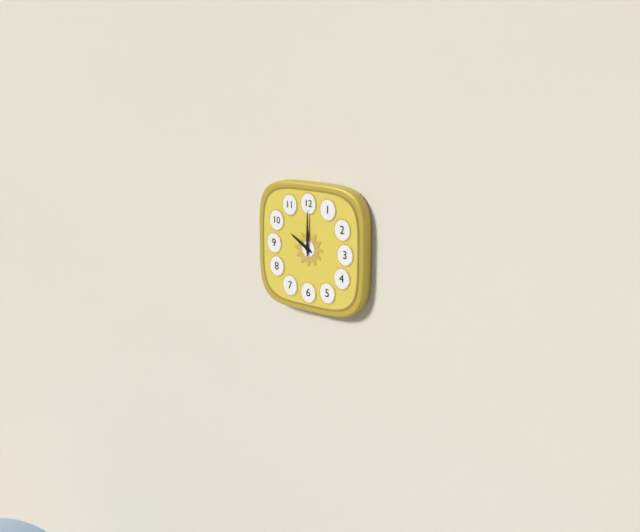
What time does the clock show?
10:00
